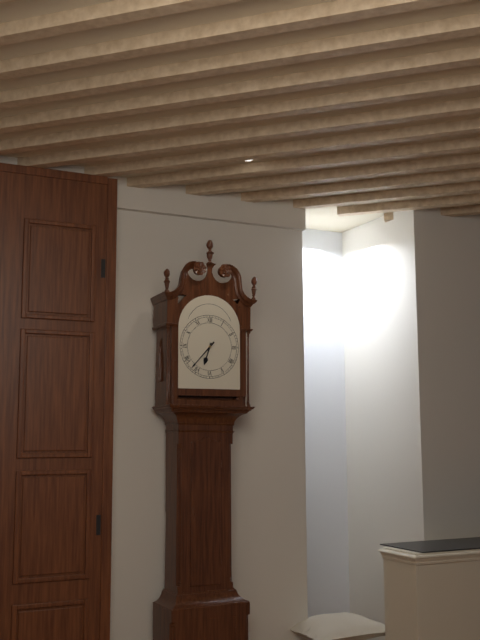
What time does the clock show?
6:37
